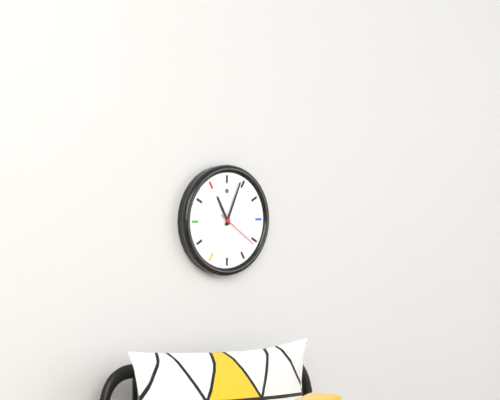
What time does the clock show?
11:04
